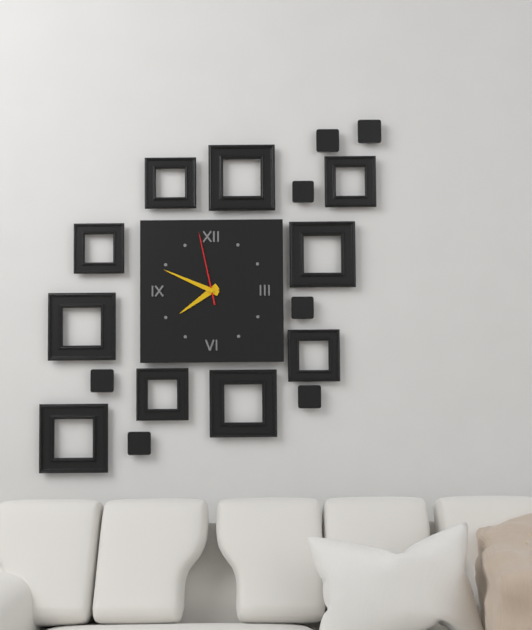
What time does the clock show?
7:49:58
